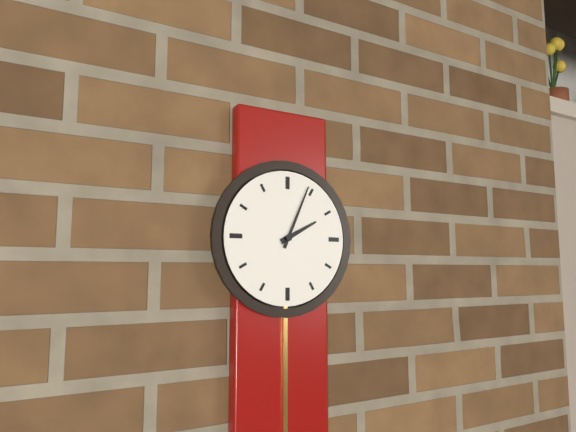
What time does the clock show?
2:04
